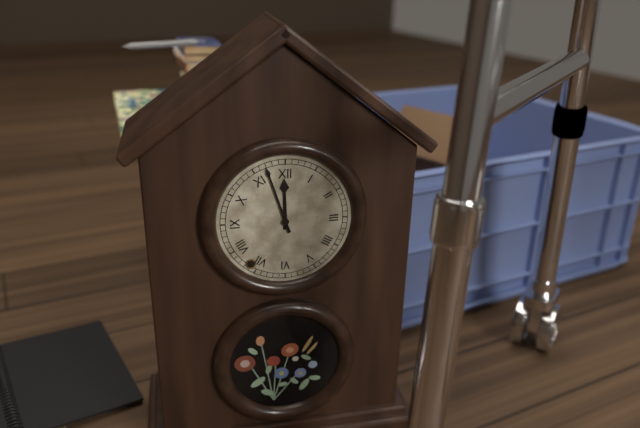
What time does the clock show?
11:57
